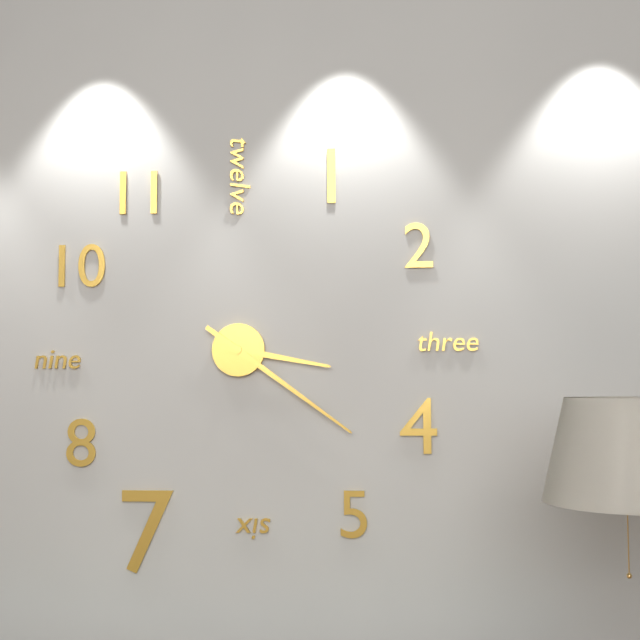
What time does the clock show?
3:21
